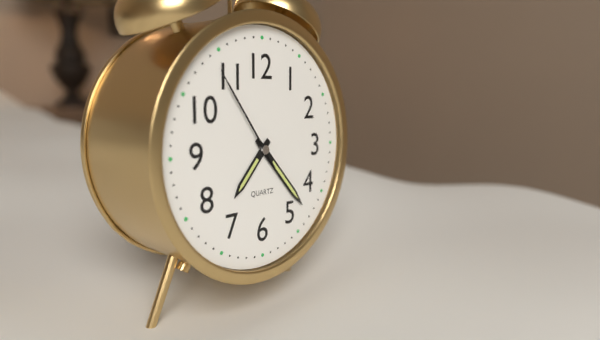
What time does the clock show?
7:23:54
